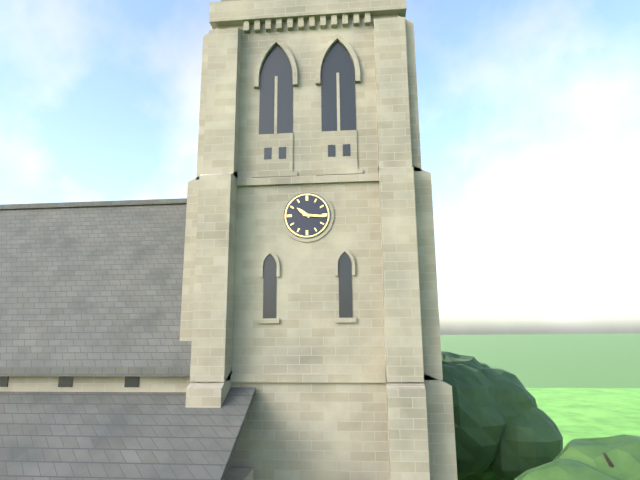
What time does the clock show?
10:16
